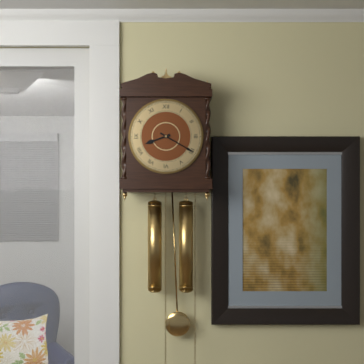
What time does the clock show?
8:20
